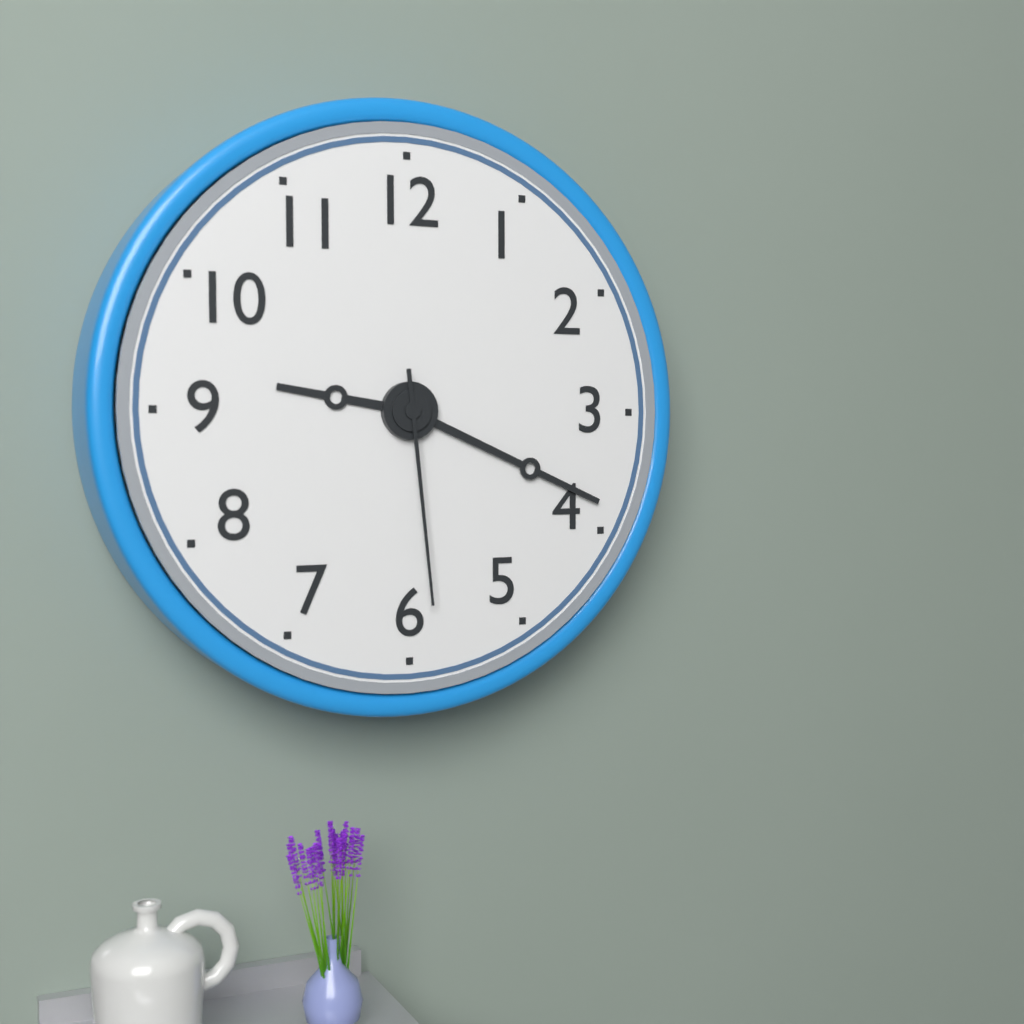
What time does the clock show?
9:19:29
